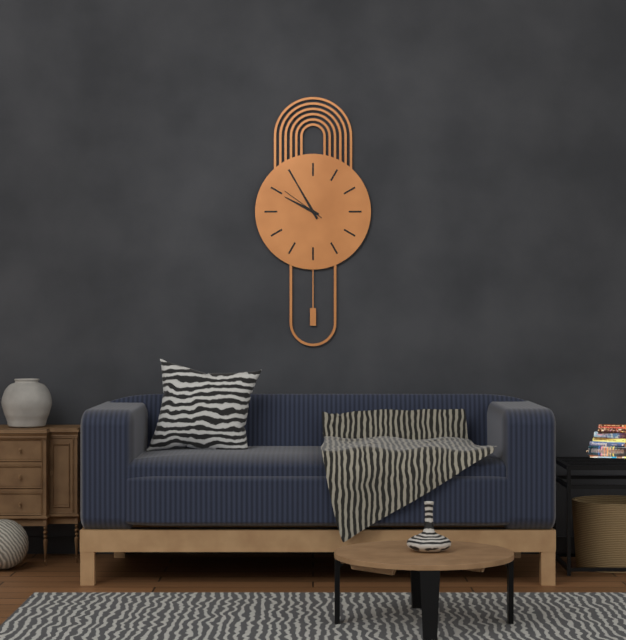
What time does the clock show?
9:55
